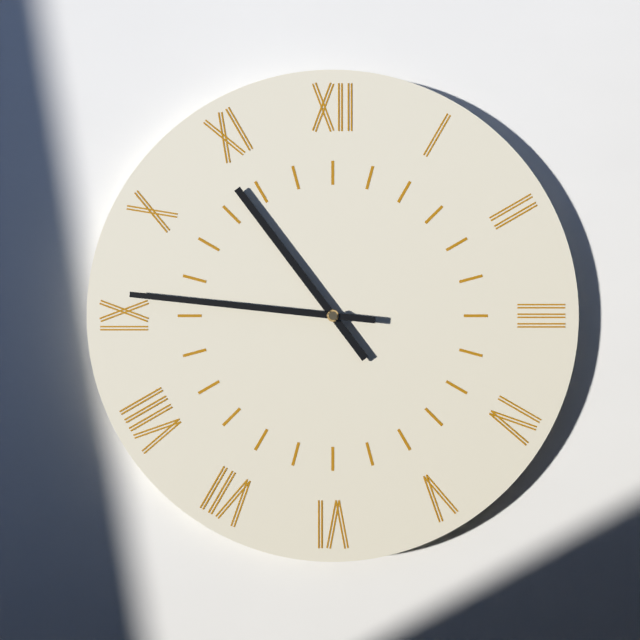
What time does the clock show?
10:46
